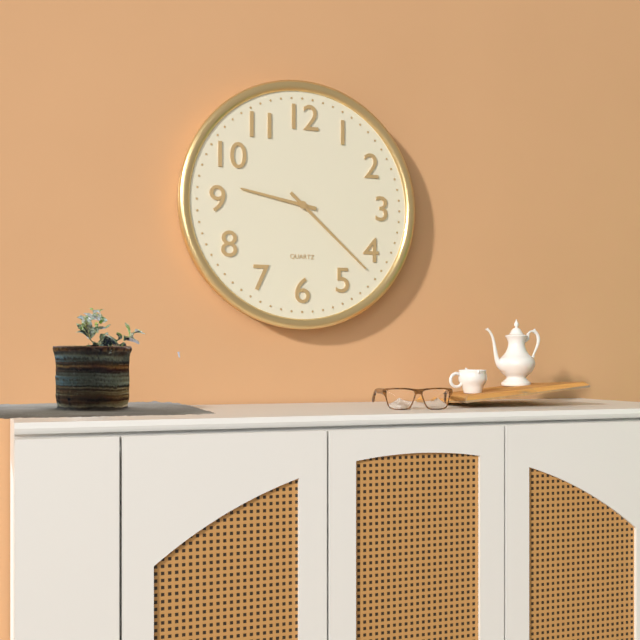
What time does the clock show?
9:22
